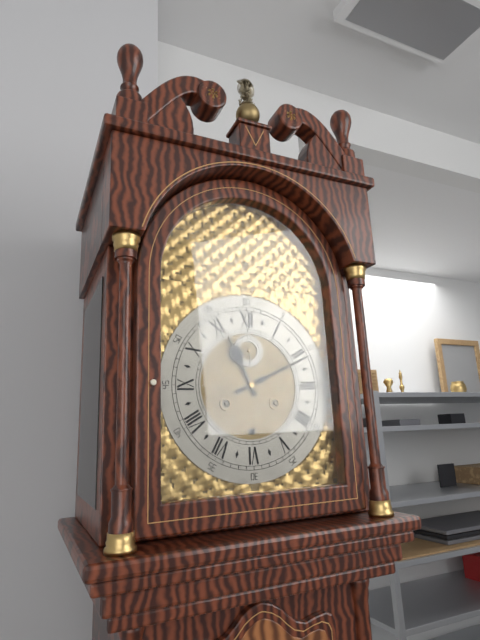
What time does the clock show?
11:11
